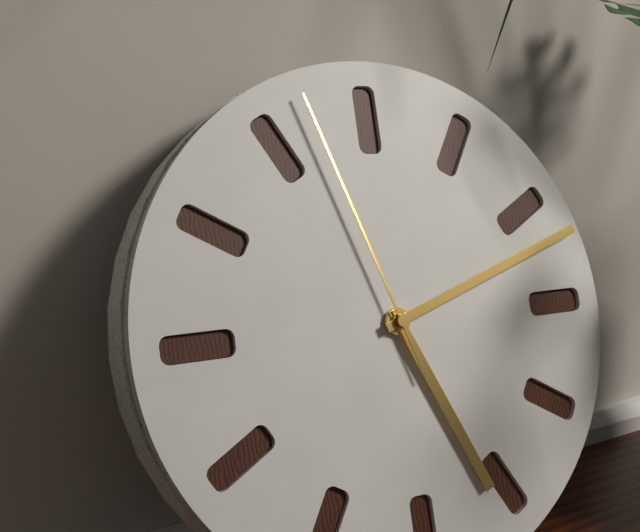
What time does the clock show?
5:12:57
